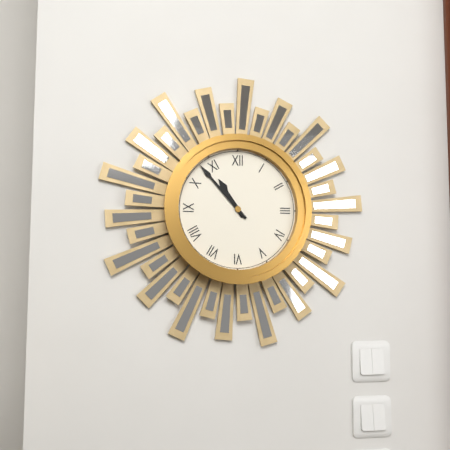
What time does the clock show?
10:53
